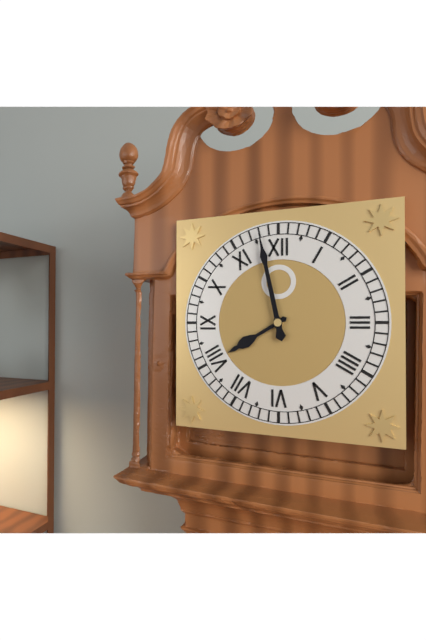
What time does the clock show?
7:58
